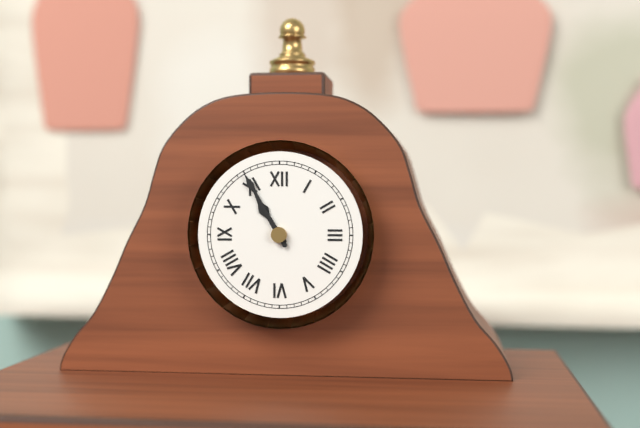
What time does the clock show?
10:55
